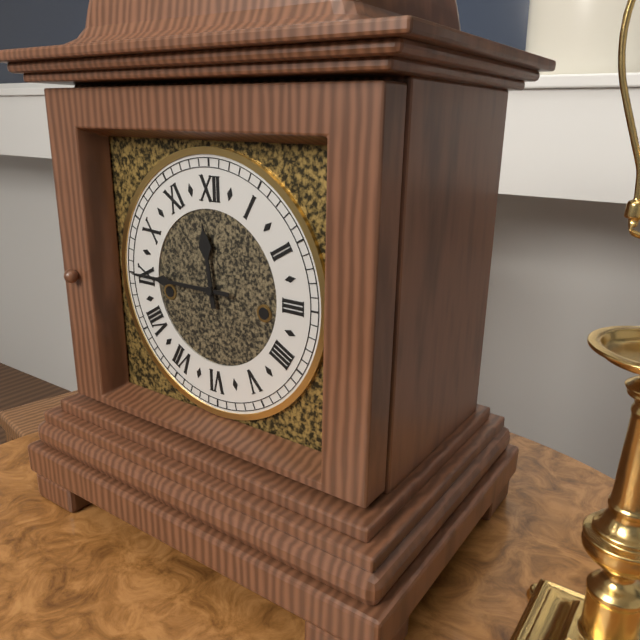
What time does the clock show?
11:45
